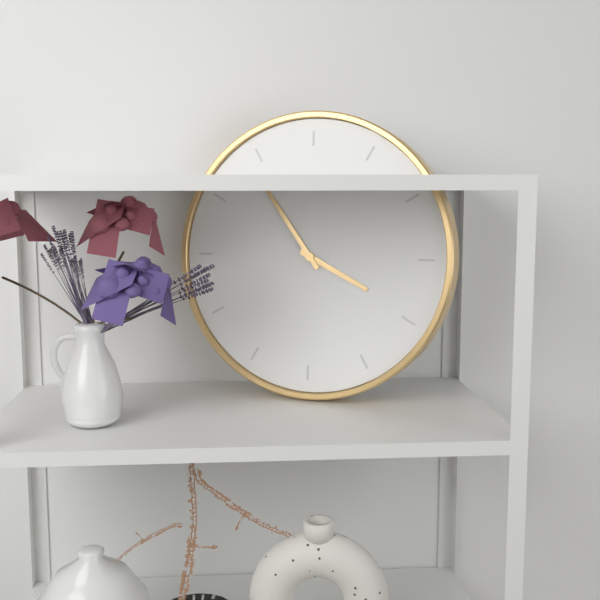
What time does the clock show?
3:54
